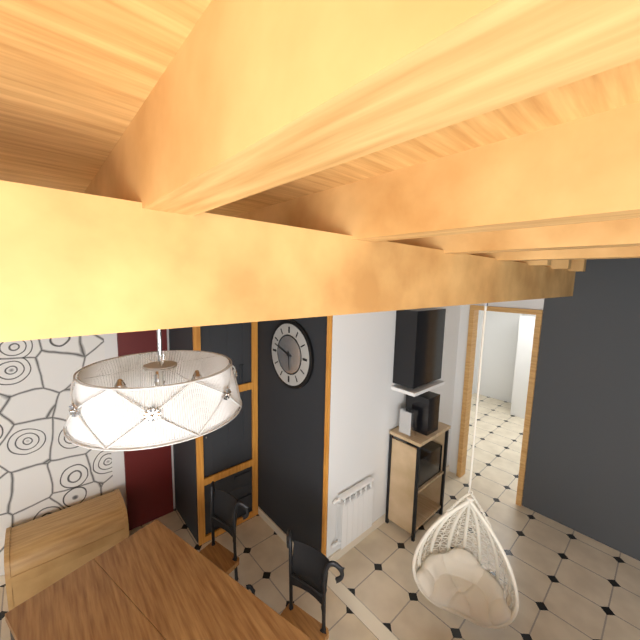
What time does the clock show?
5:48
